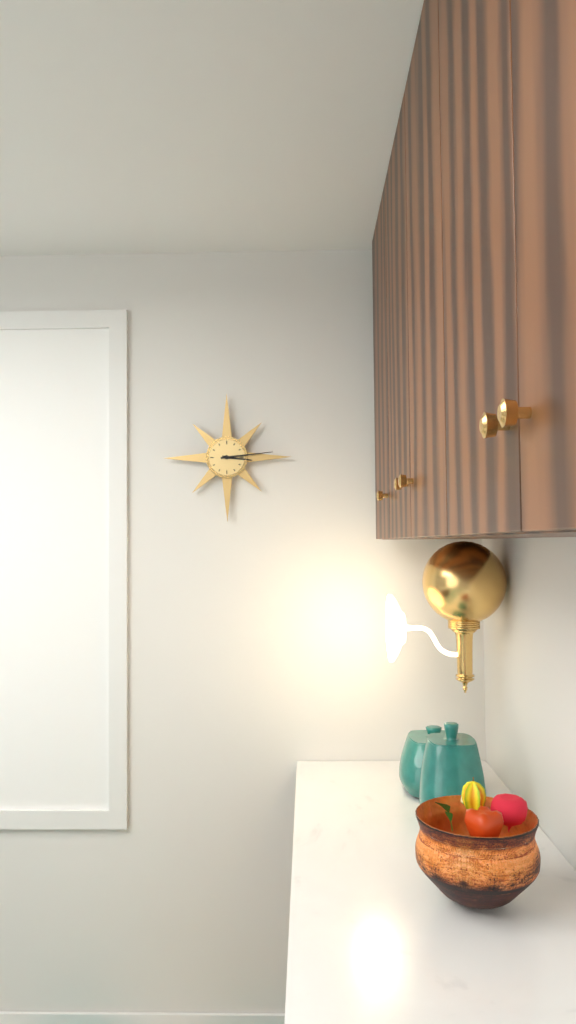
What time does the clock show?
3:14
